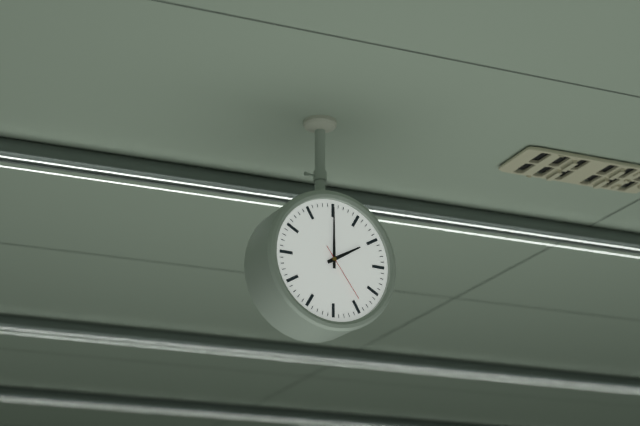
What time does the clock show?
2:00:24
